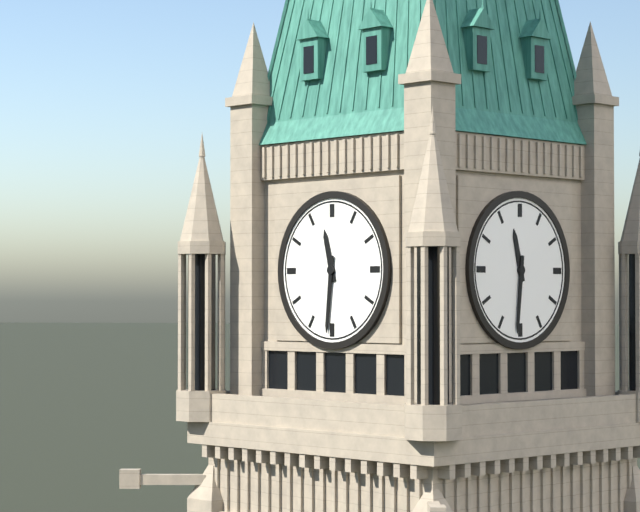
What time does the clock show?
11:31
